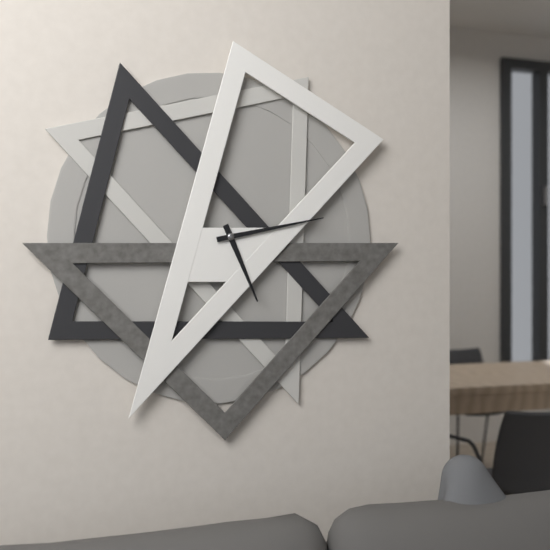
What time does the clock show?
5:13
